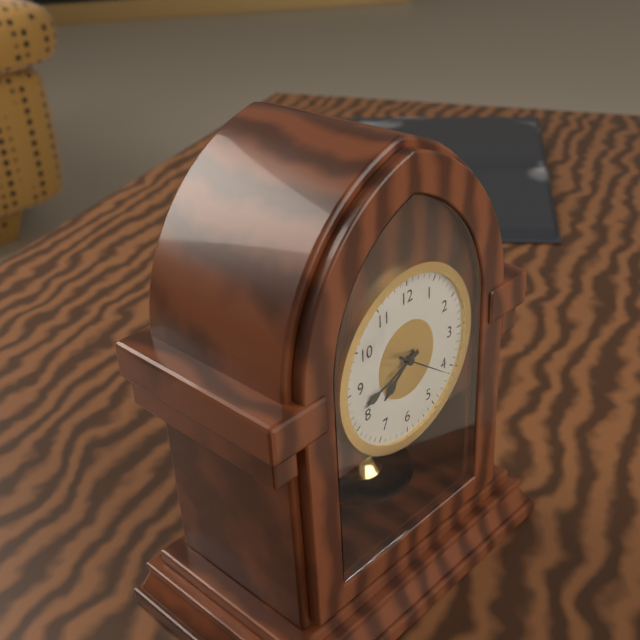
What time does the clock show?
7:42:21
